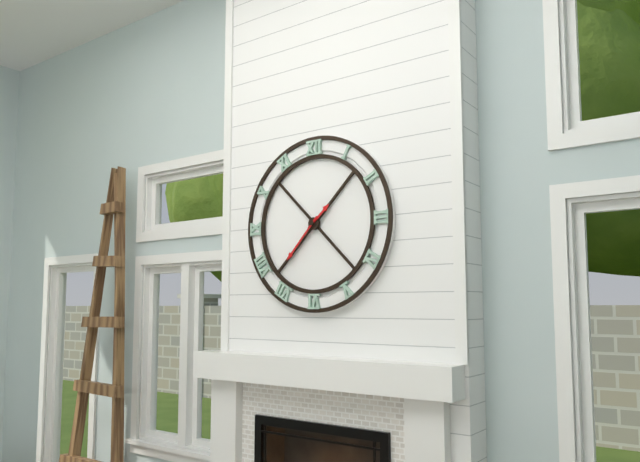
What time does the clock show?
1:37
